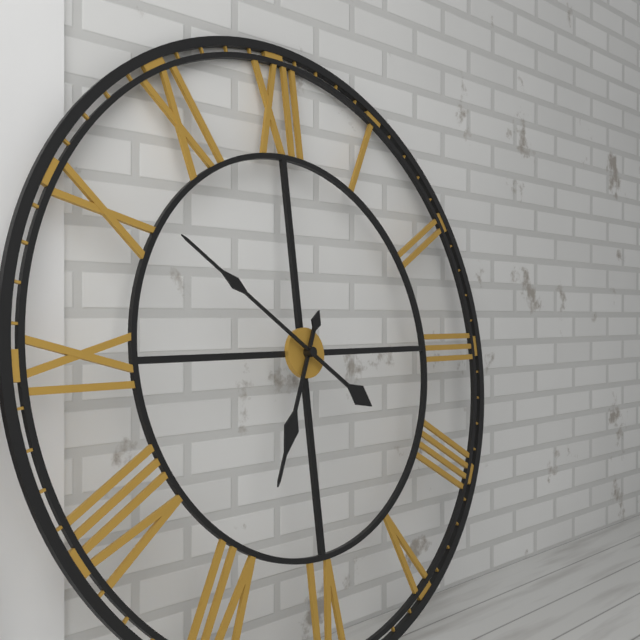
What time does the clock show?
6:51
